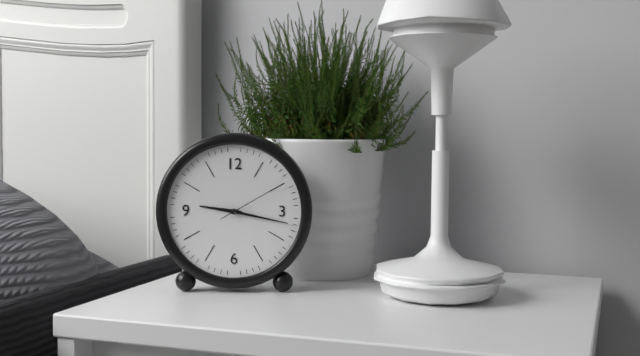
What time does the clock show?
9:17:10
